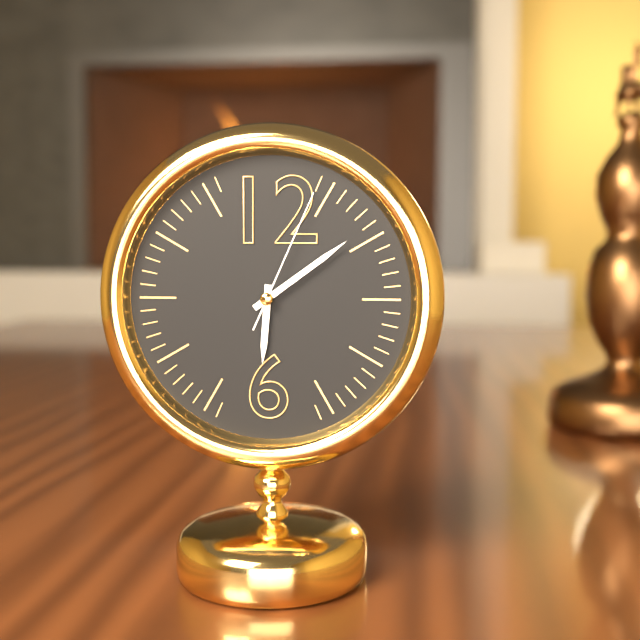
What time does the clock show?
6:09:04
